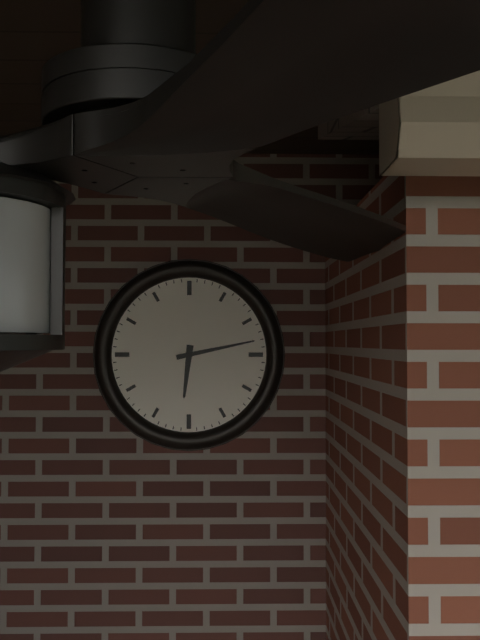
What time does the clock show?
6:13
